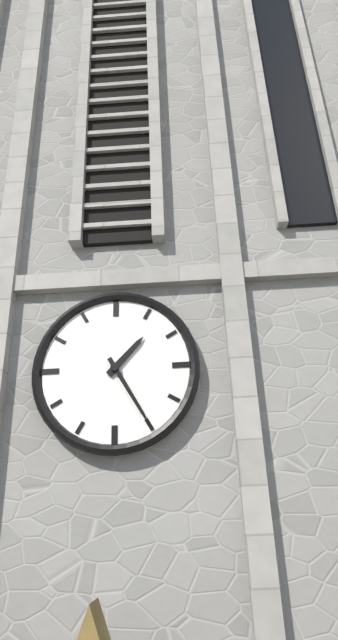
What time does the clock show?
1:25
